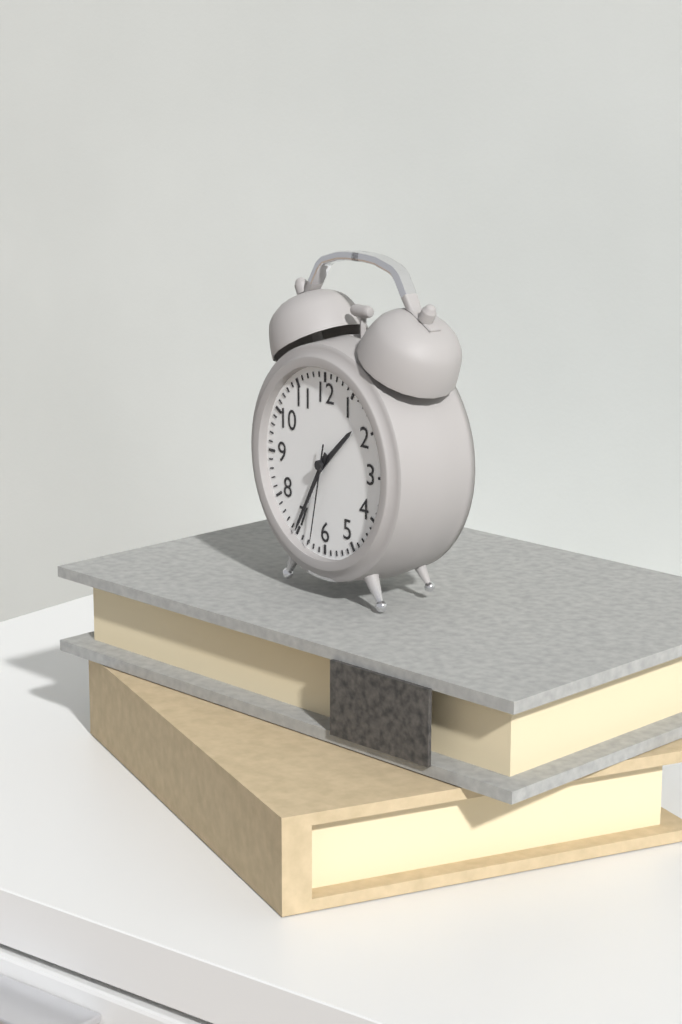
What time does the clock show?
1:35:32
